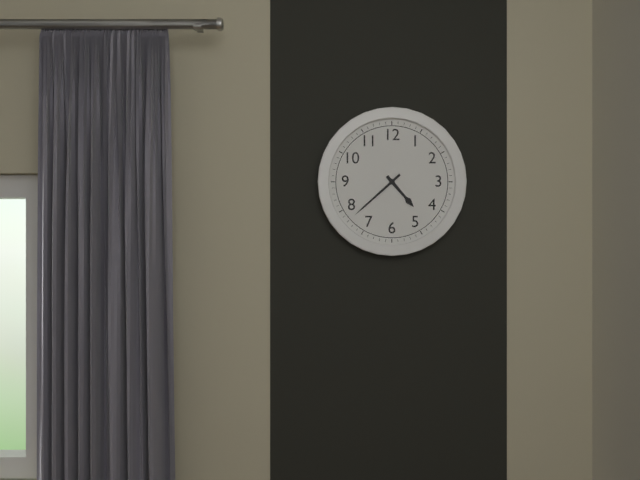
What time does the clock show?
4:38
